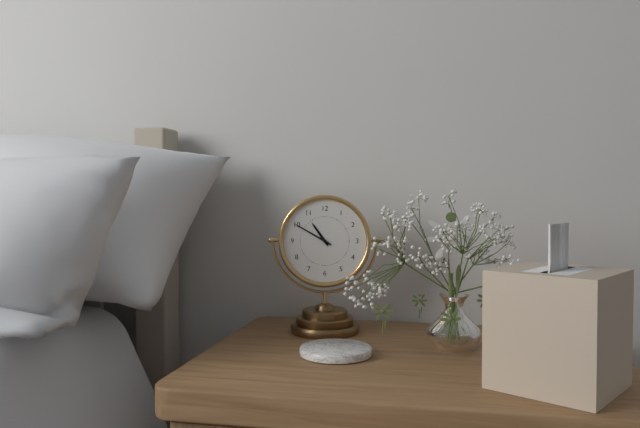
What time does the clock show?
10:50
